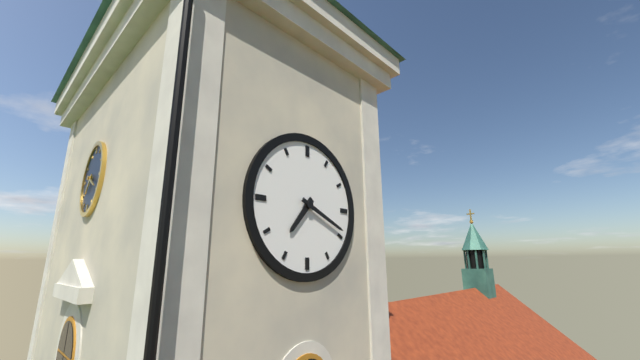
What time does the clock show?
7:19
